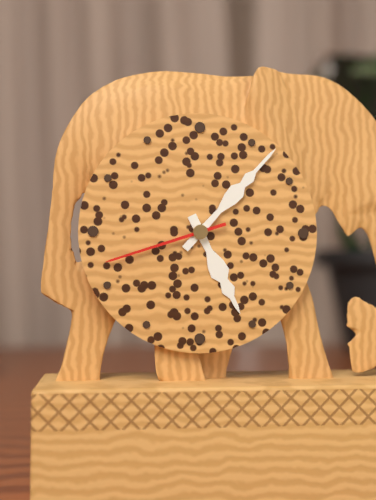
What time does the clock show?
5:07:42
